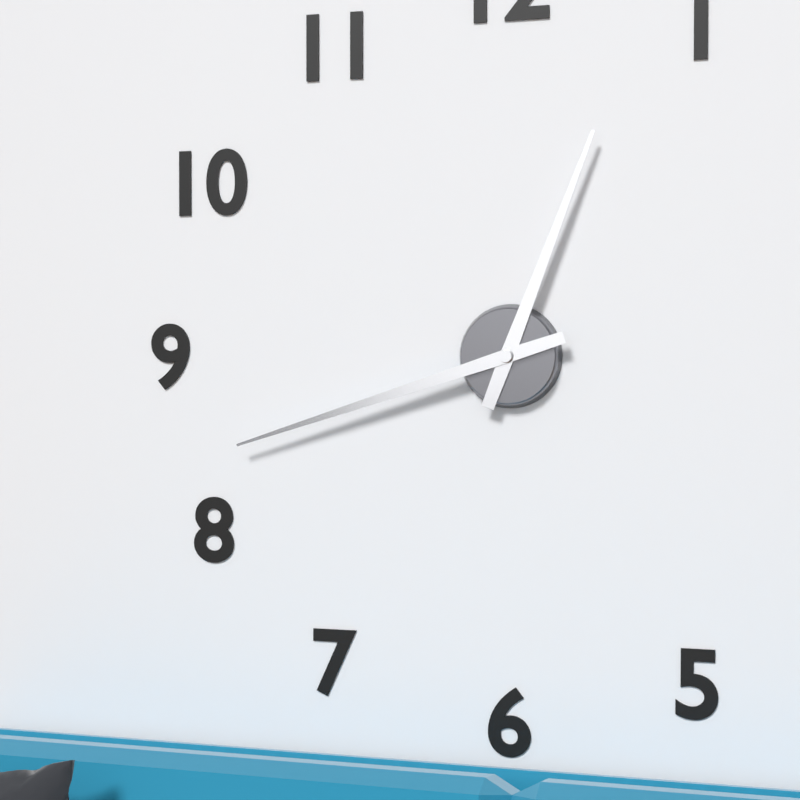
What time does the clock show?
12:42
